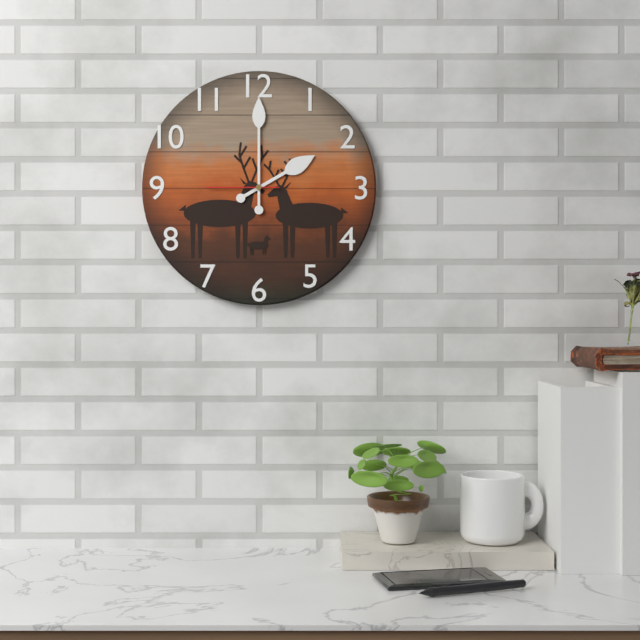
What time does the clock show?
2:00:45
